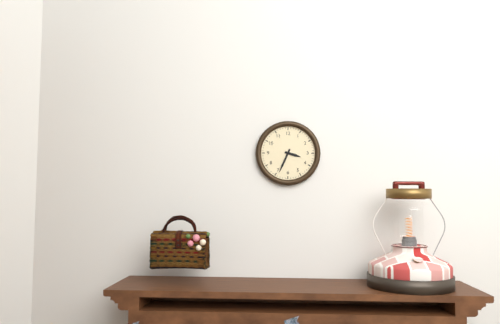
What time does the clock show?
3:34
